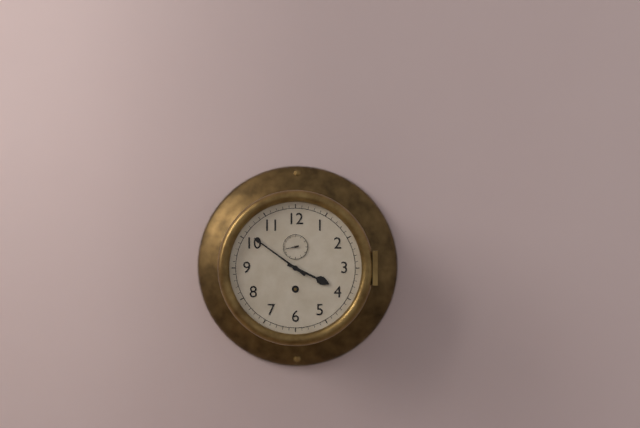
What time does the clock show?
3:51
